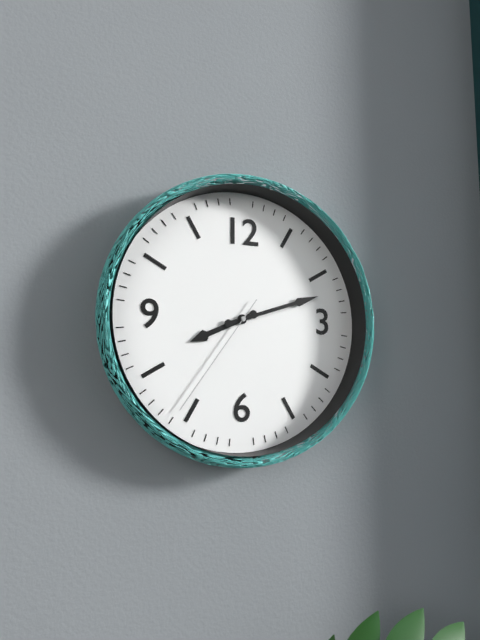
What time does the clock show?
8:12:36
